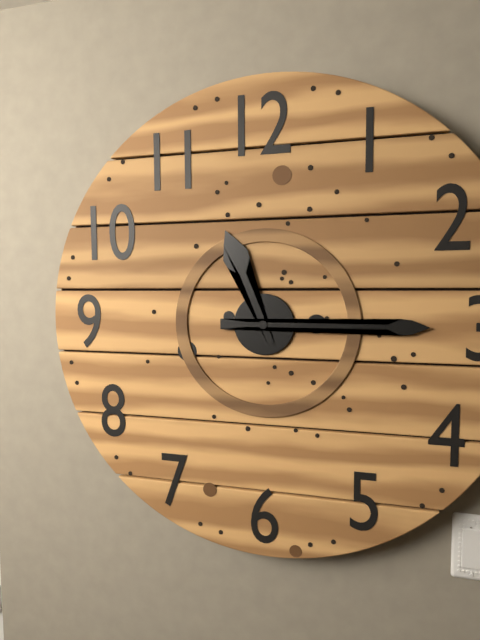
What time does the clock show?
11:15
